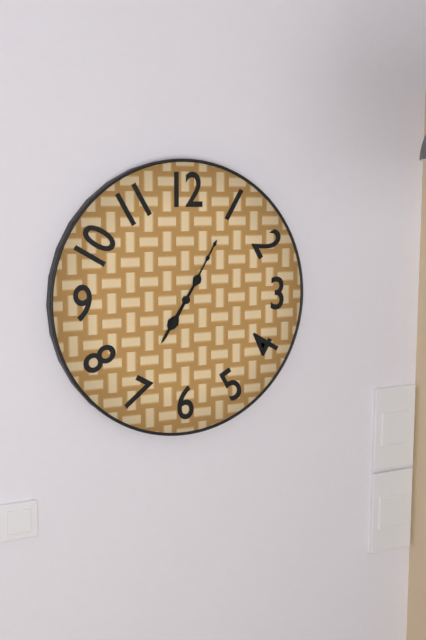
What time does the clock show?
7:05
